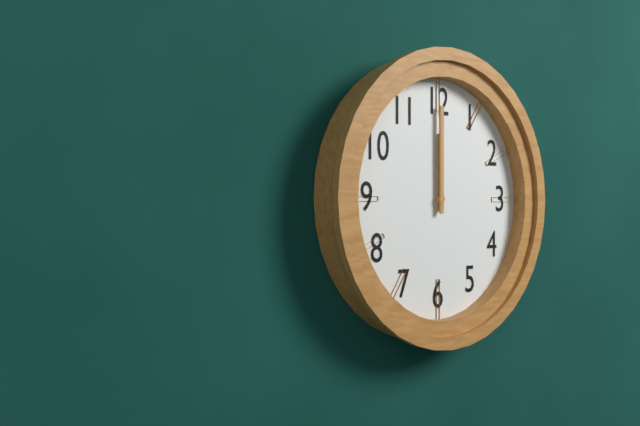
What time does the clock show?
12:00
